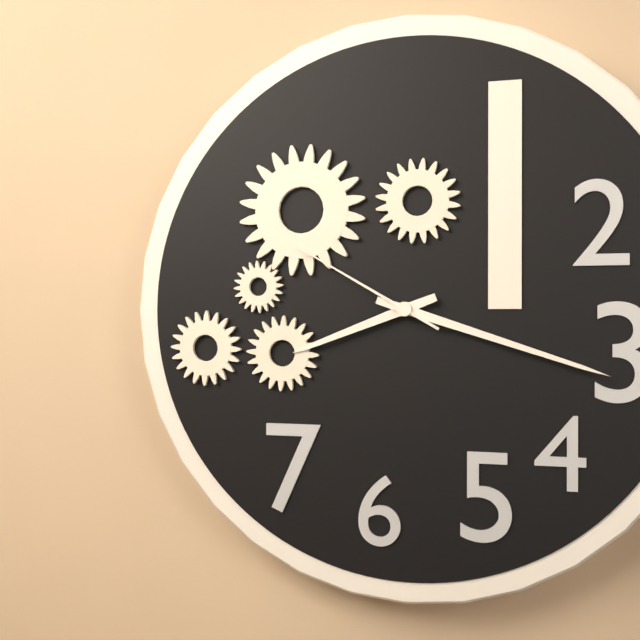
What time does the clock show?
8:18:50
